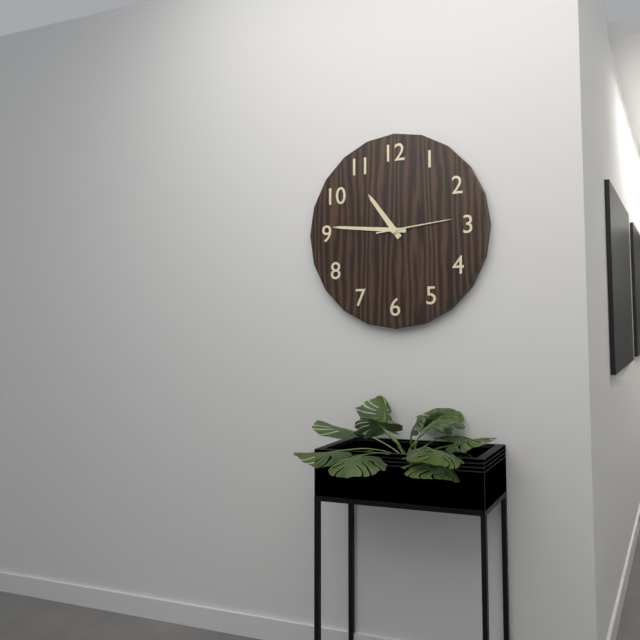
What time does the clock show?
10:46:14
